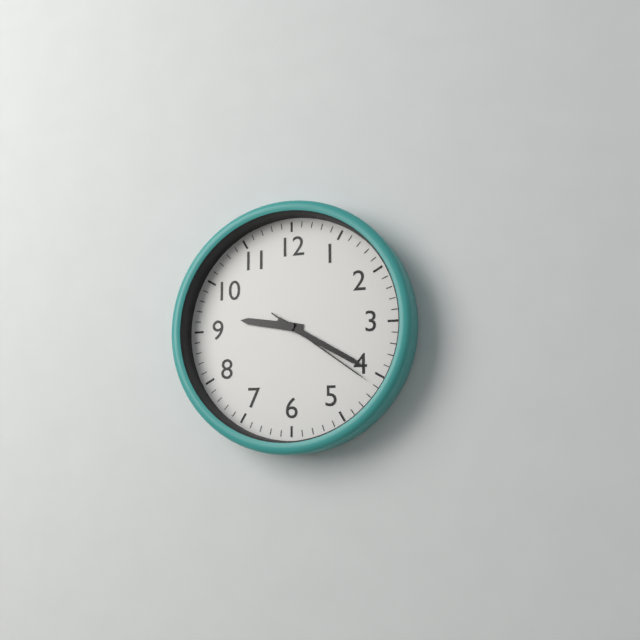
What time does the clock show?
9:20:21
